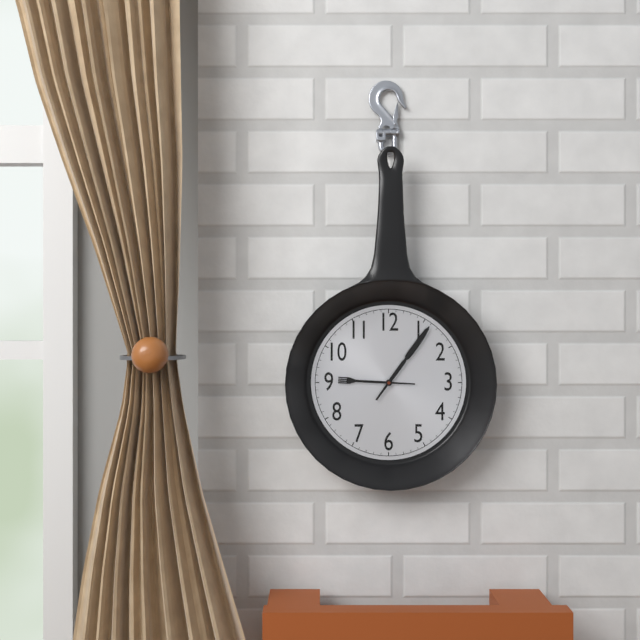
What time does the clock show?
9:06
